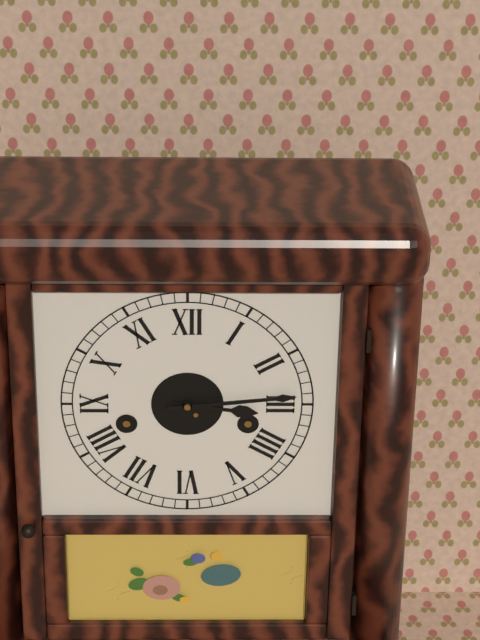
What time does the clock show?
3:14
